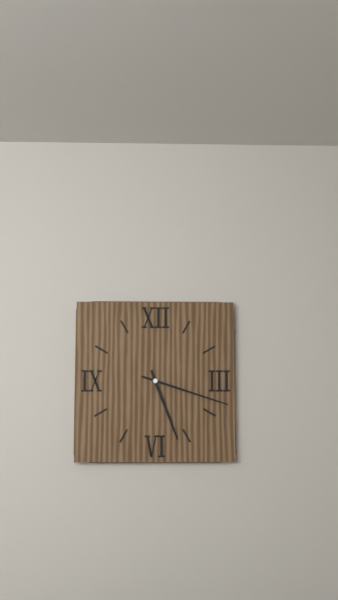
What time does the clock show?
5:18
